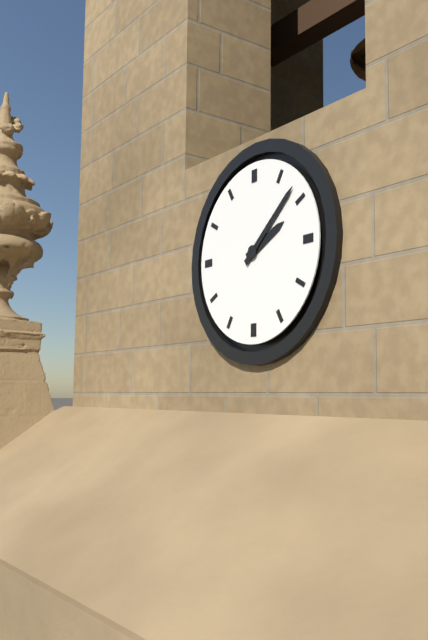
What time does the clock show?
2:08
